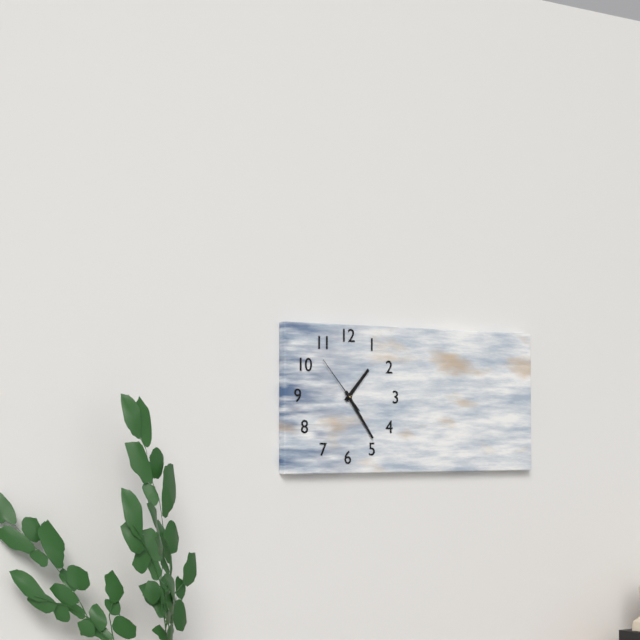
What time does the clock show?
1:24:53
